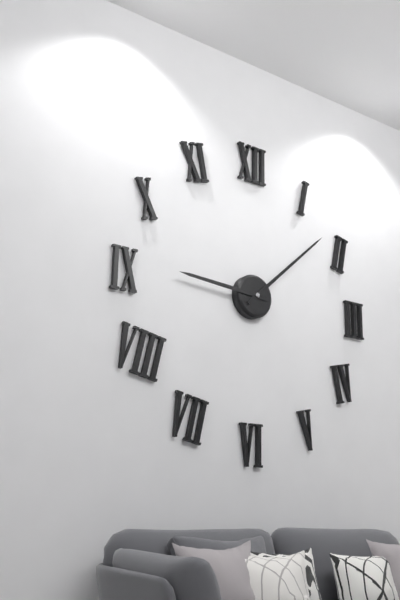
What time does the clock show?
9:08
